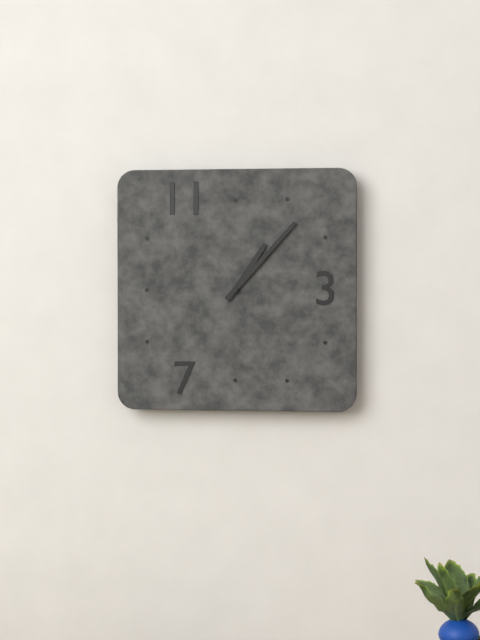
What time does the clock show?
1:07
